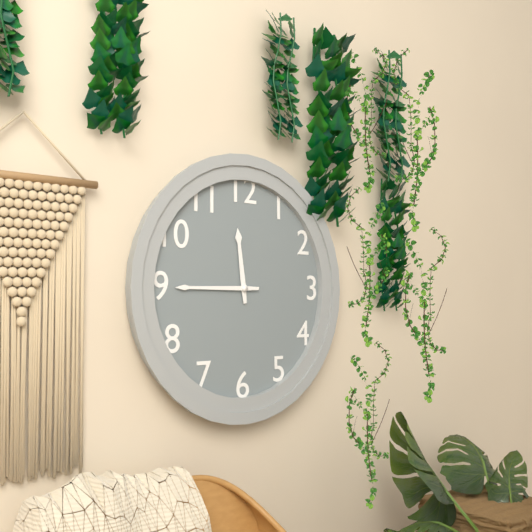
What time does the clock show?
11:45
